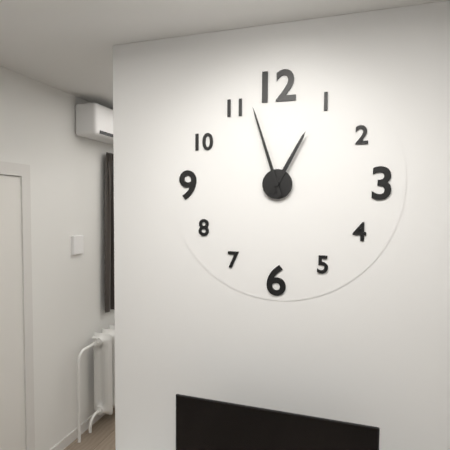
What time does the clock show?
12:57
